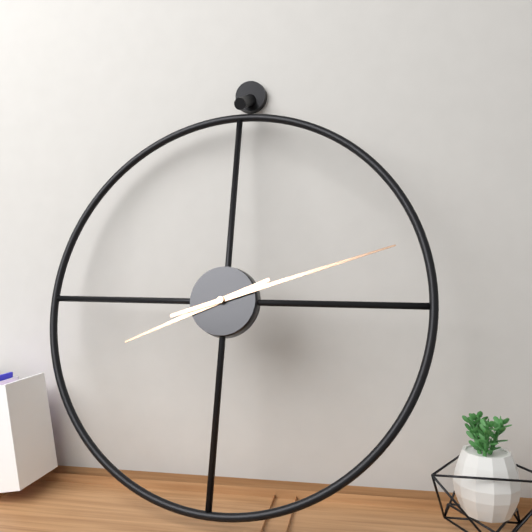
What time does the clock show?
8:12
